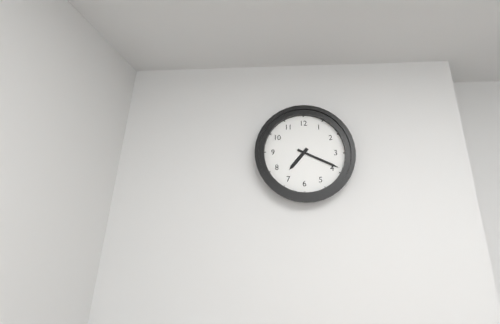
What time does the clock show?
7:19
